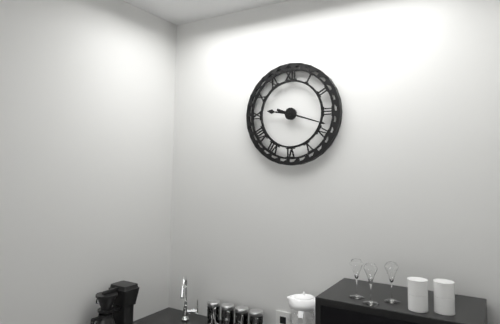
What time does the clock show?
9:18
